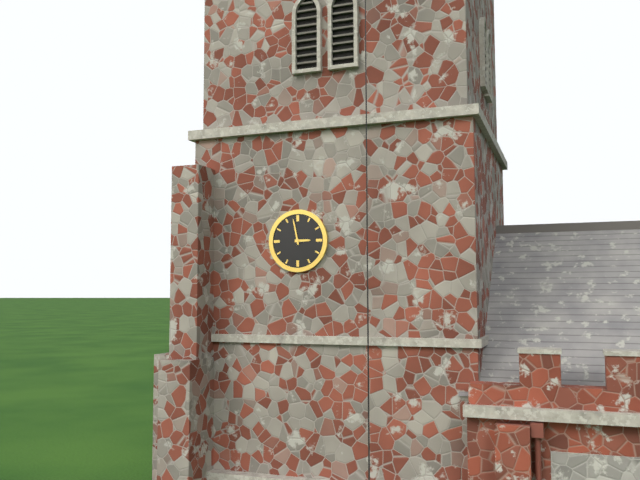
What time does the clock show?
2:58
